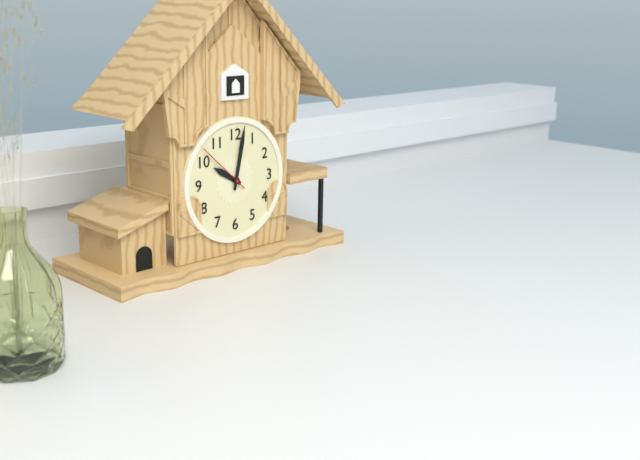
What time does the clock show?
10:02:52
